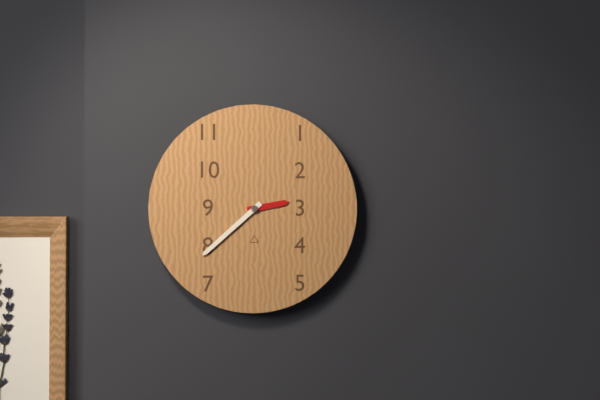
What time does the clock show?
2:38
